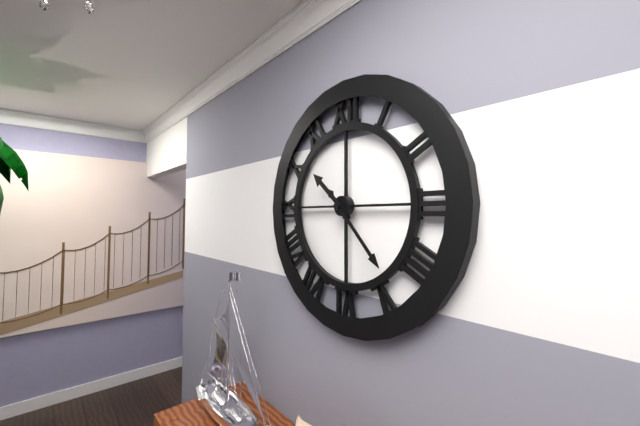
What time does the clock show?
10:23
